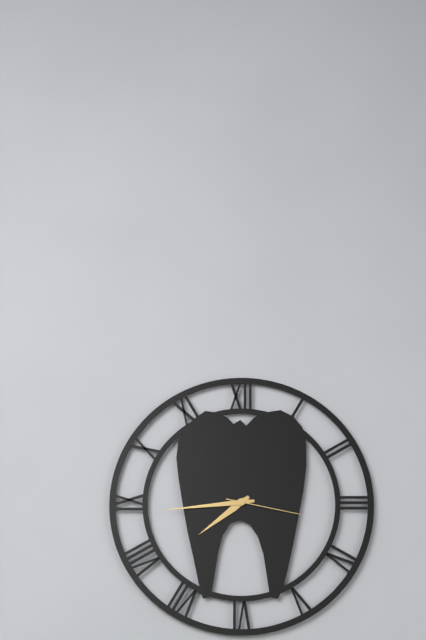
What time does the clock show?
7:44:17
